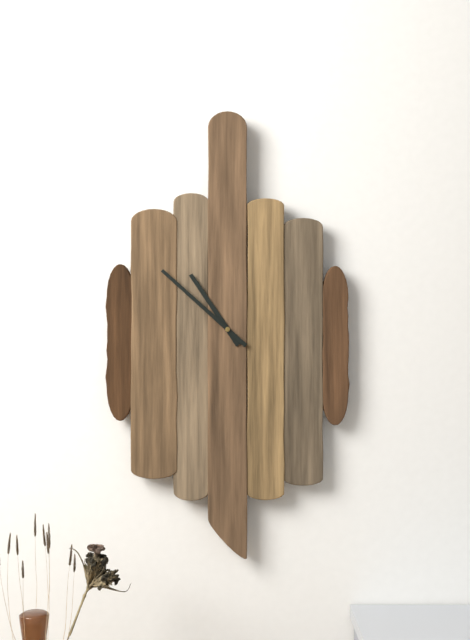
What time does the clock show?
10:52
